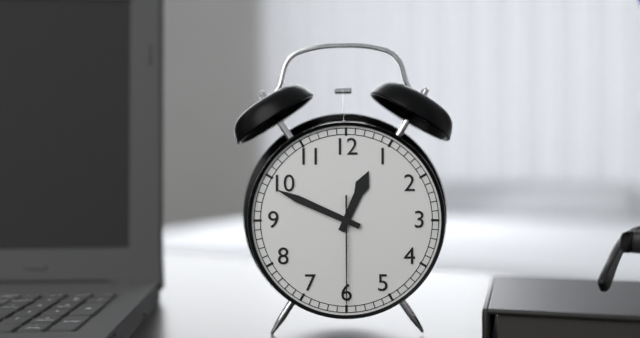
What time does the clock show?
12:49:30
